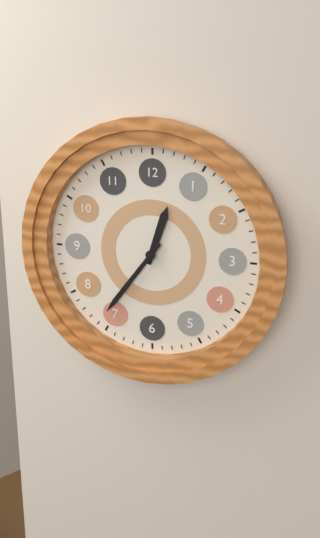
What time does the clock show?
12:36
